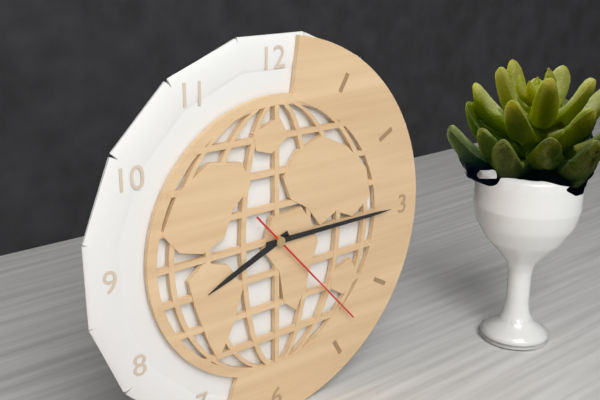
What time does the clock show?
8:15:23
